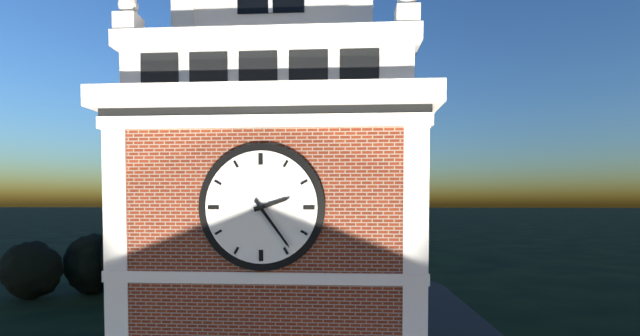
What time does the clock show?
2:24
